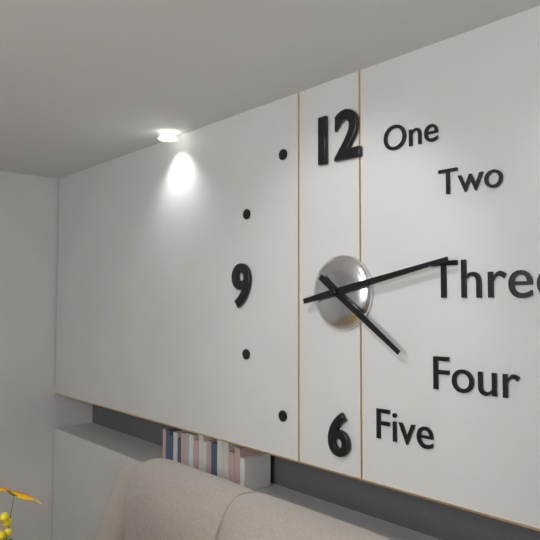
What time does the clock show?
4:13
